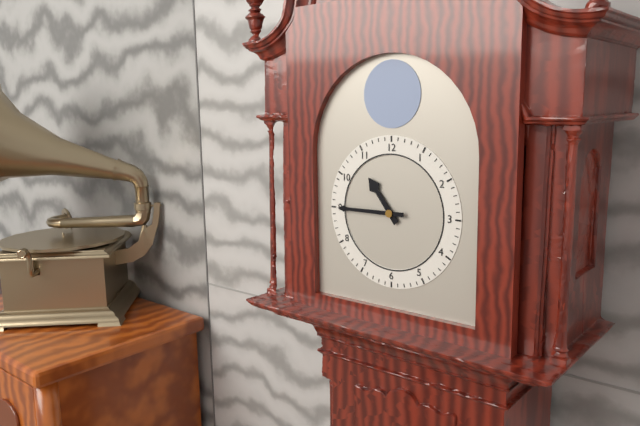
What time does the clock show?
10:45
